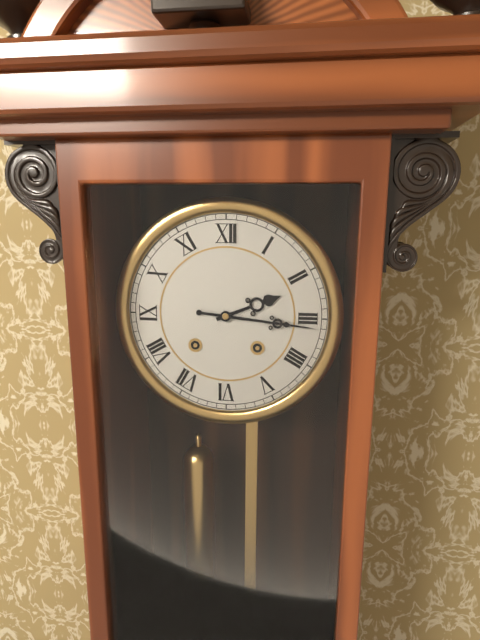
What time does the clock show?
2:16
